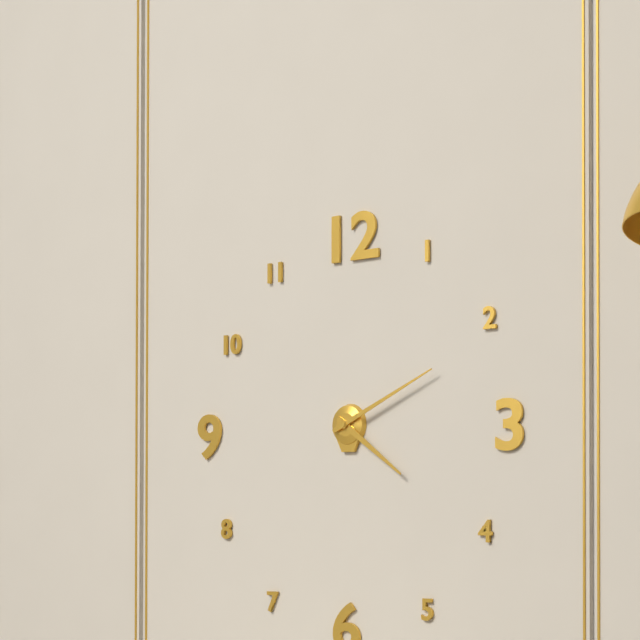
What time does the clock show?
4:11
